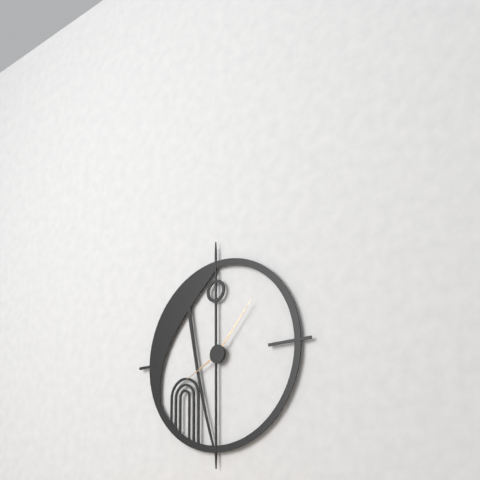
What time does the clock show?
8:07
